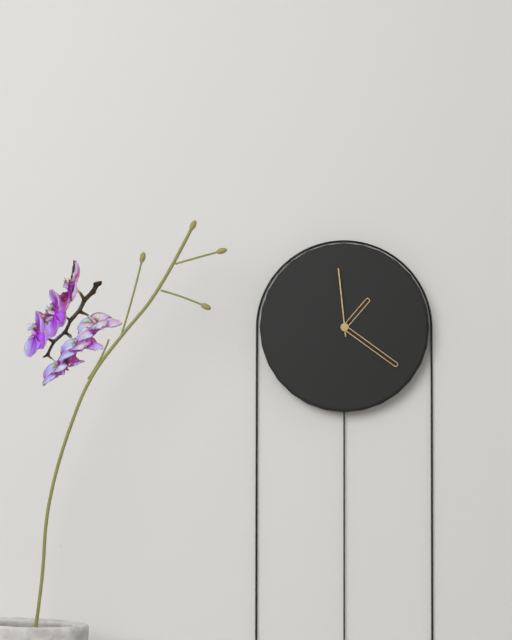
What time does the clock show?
1:21:59
